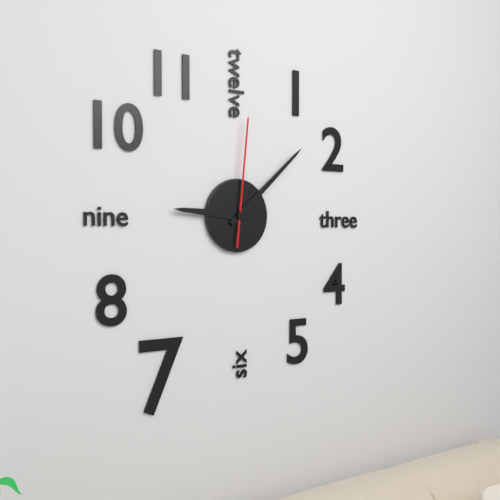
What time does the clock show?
9:08:01
